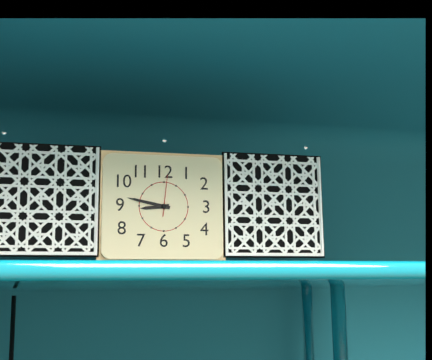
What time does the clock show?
8:47
